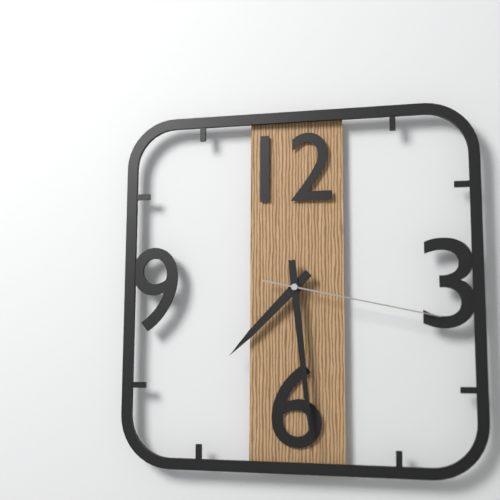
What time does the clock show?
7:29:17
